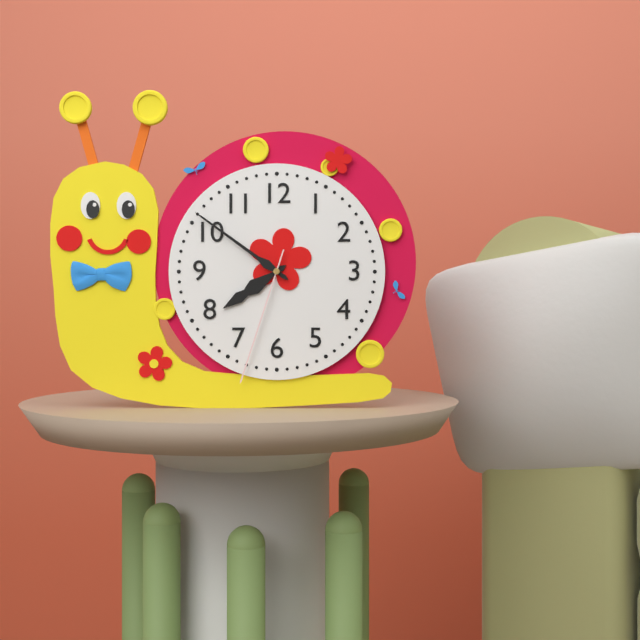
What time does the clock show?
7:51:33
